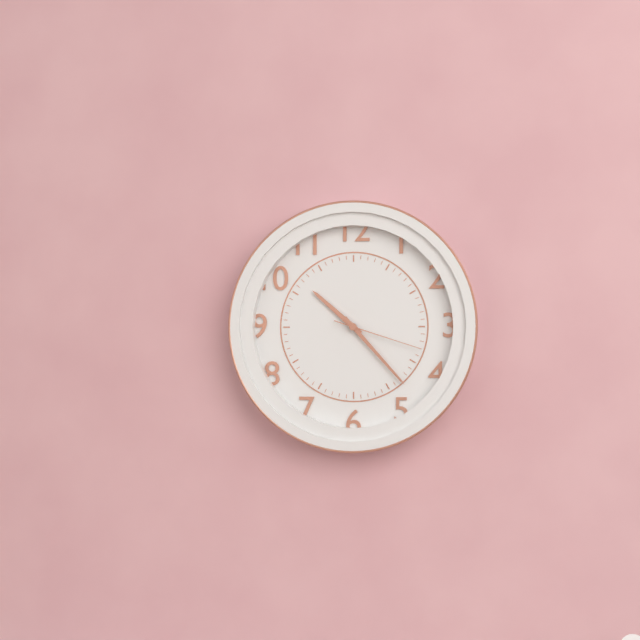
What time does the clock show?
10:23:18
